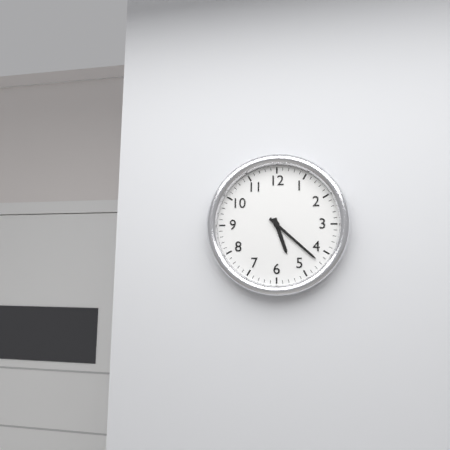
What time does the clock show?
5:22
